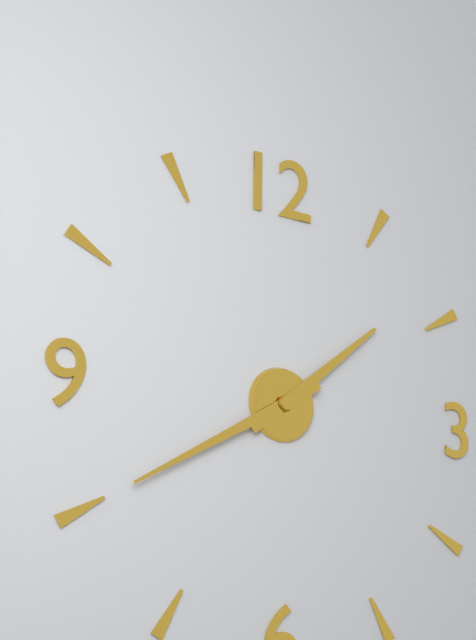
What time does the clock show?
1:40
